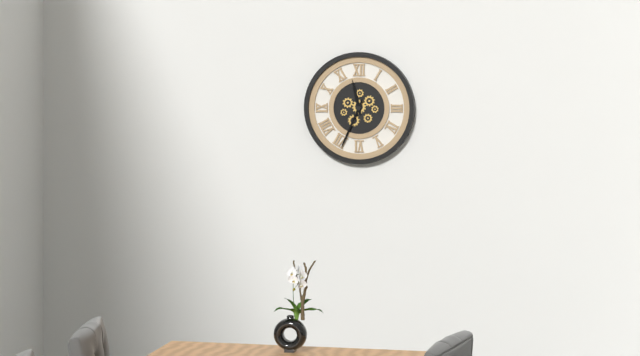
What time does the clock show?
11:34
